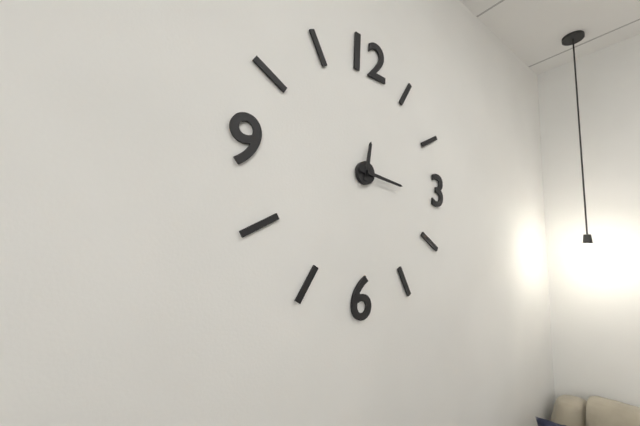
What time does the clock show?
12:16
